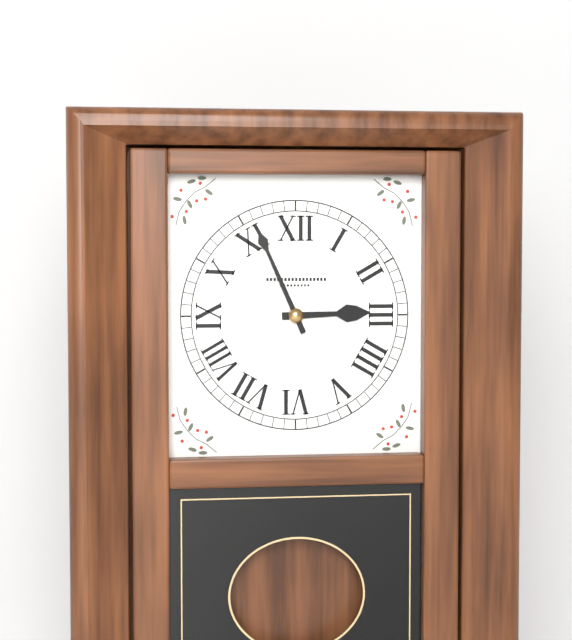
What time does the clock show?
2:56
